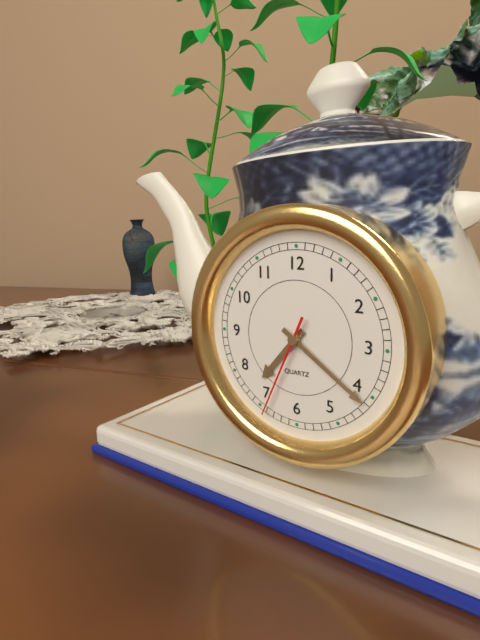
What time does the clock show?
7:21:34
